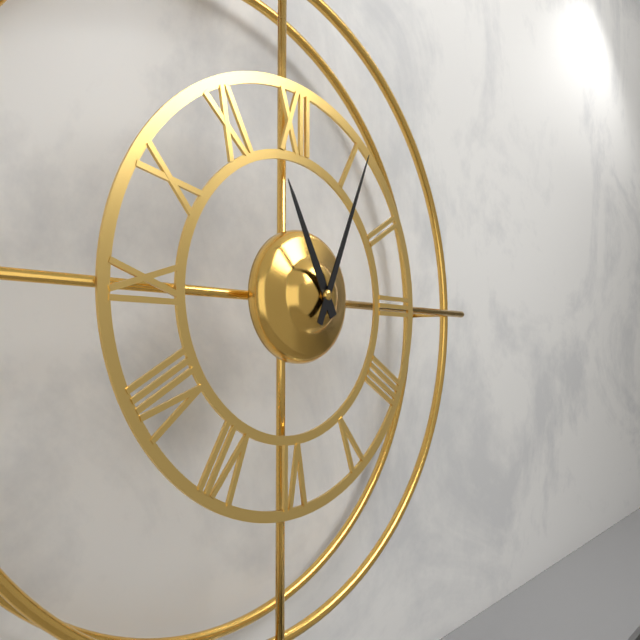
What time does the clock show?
11:04
